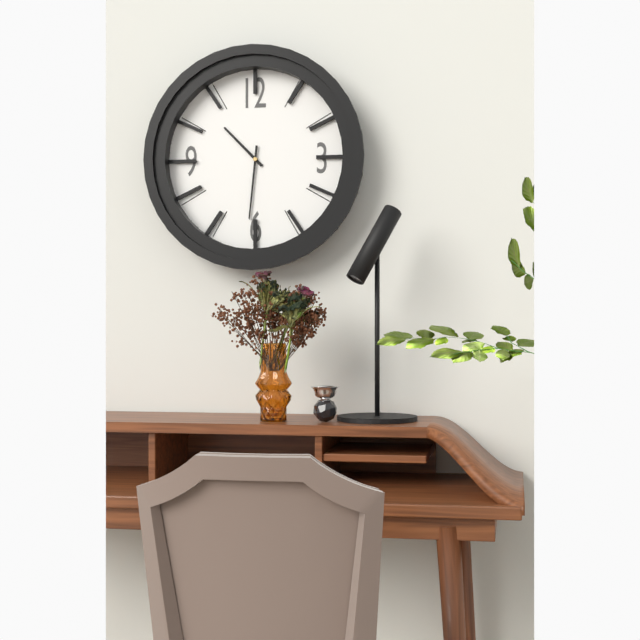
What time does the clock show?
10:31
